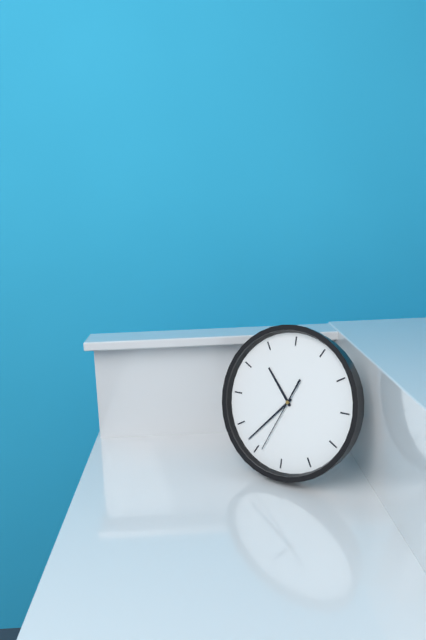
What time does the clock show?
10:37:34
